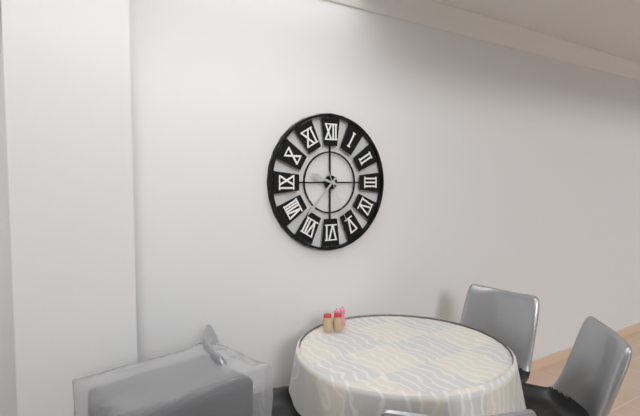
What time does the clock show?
9:37:26
